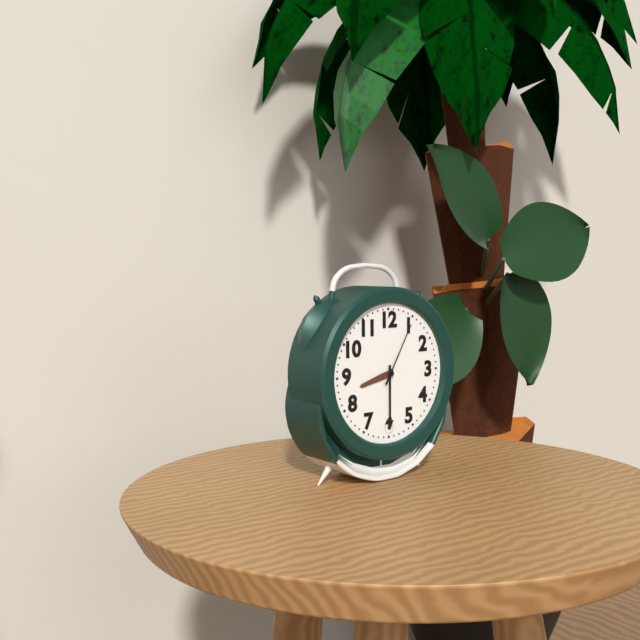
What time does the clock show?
8:30:05
